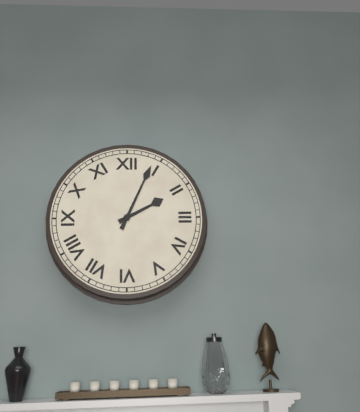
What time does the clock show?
2:04
